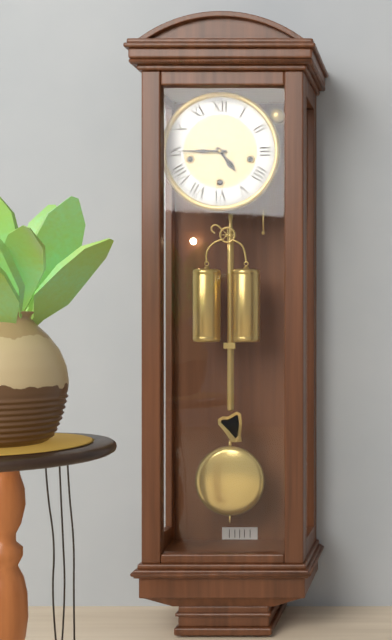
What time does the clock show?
4:45
